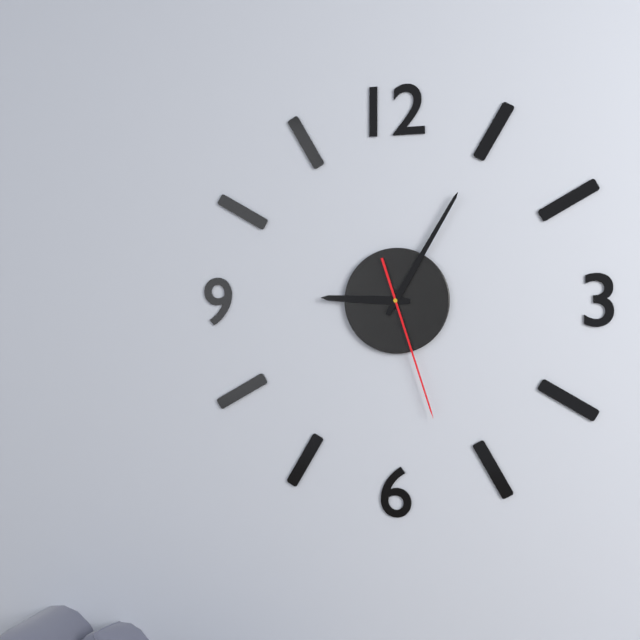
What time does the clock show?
9:05:27
